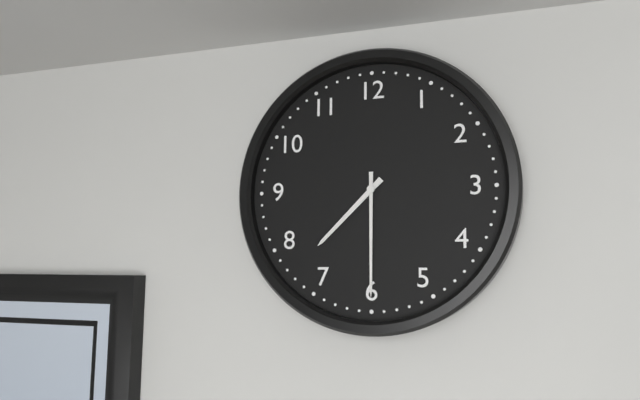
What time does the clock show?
7:30
